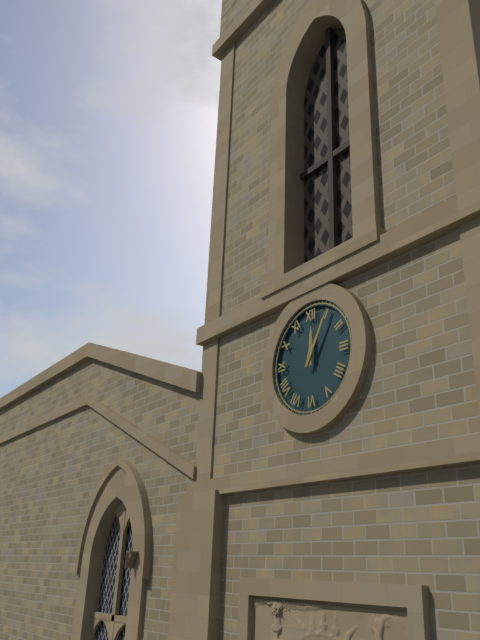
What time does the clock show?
12:05
